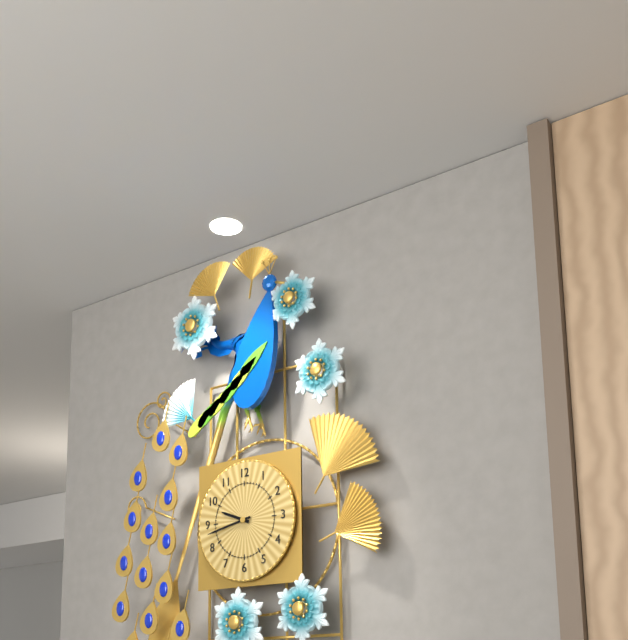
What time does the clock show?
9:43
